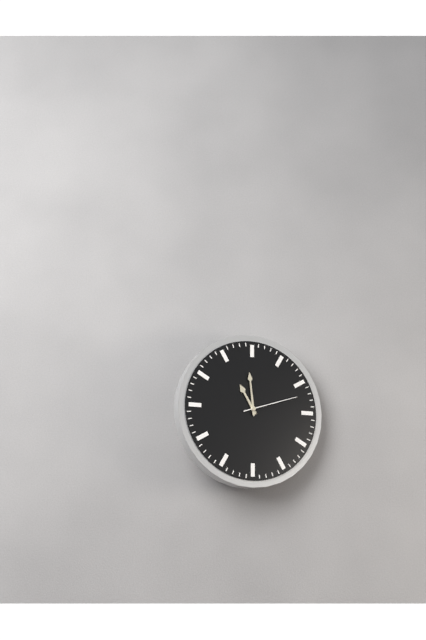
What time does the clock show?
10:59:12
